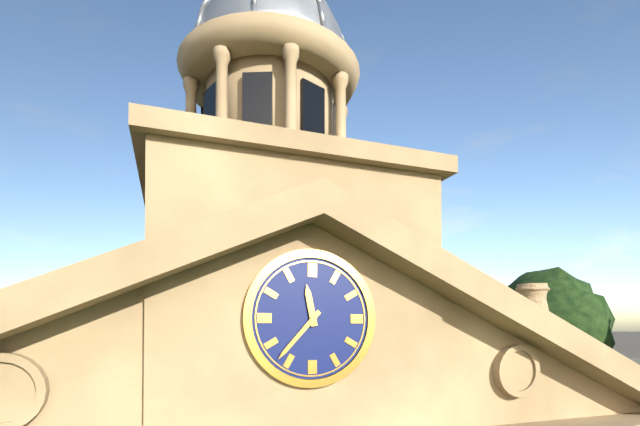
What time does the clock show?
11:37
